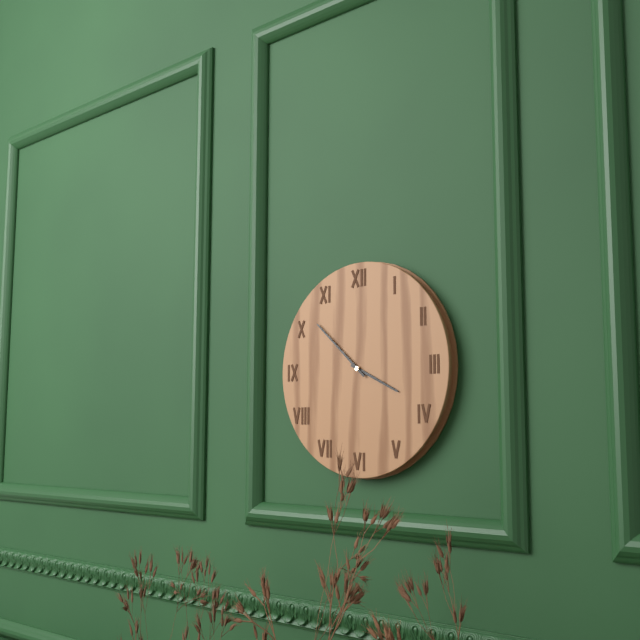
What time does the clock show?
3:52
